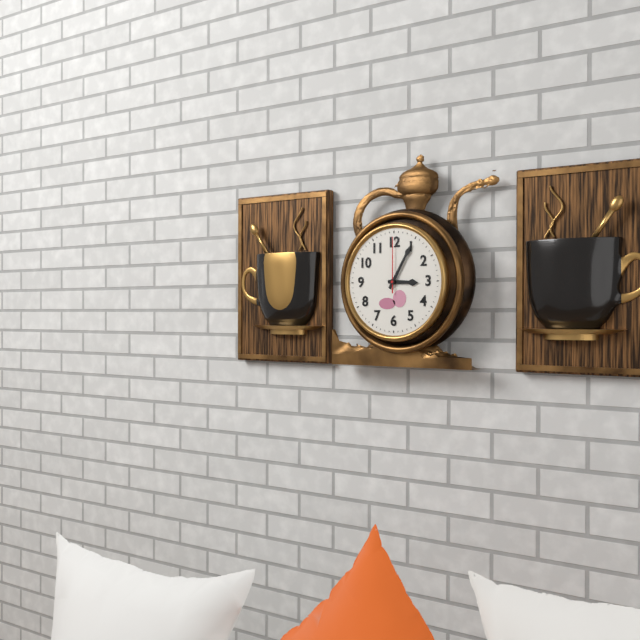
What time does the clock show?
3:05:00
